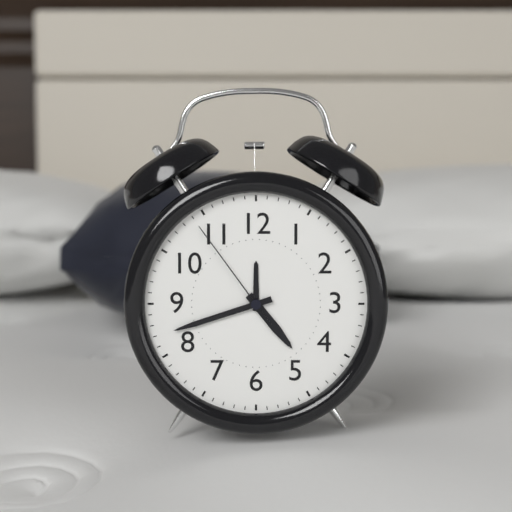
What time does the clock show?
4:42:54
